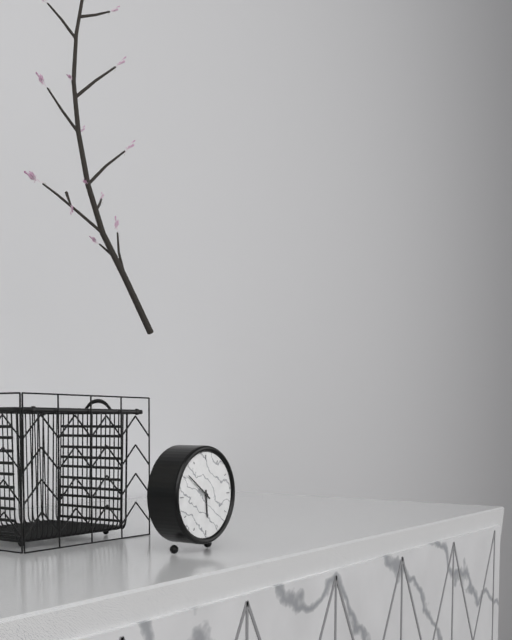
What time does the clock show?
5:51
